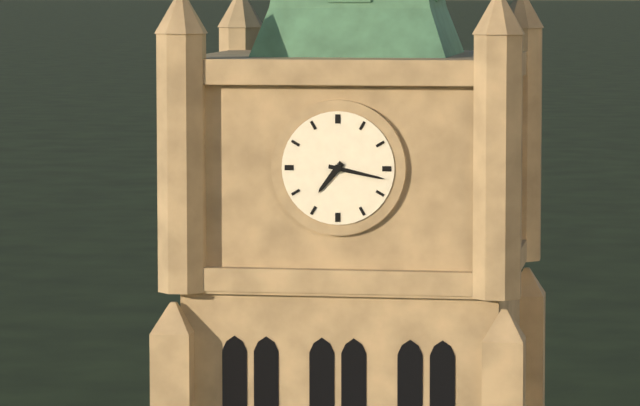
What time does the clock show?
7:17
